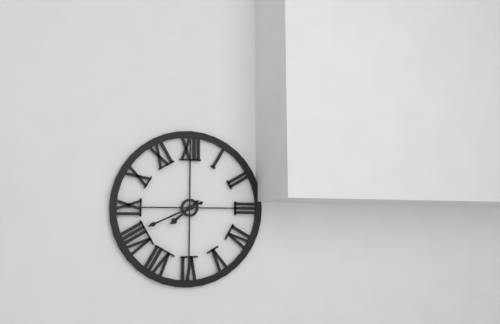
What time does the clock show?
7:41
